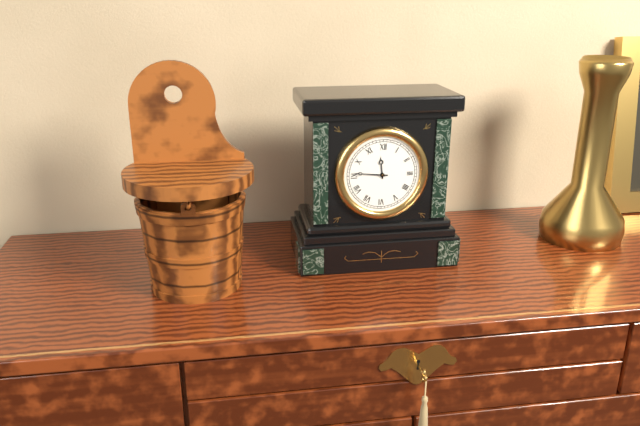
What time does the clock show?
11:46
